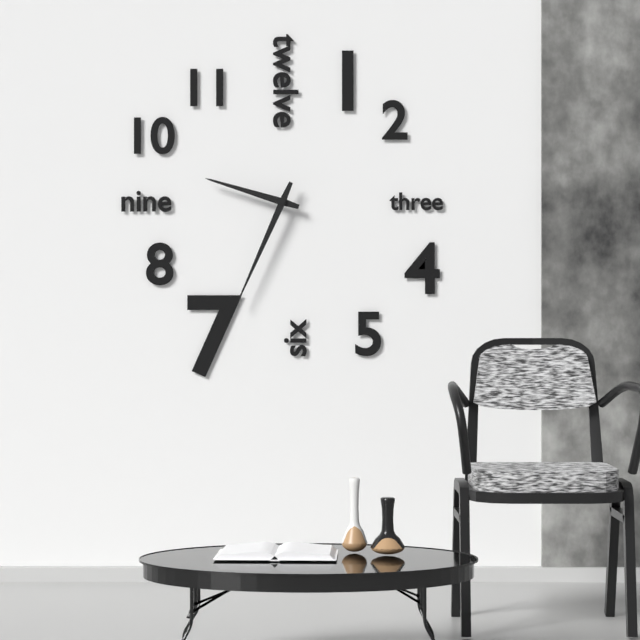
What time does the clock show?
9:34
